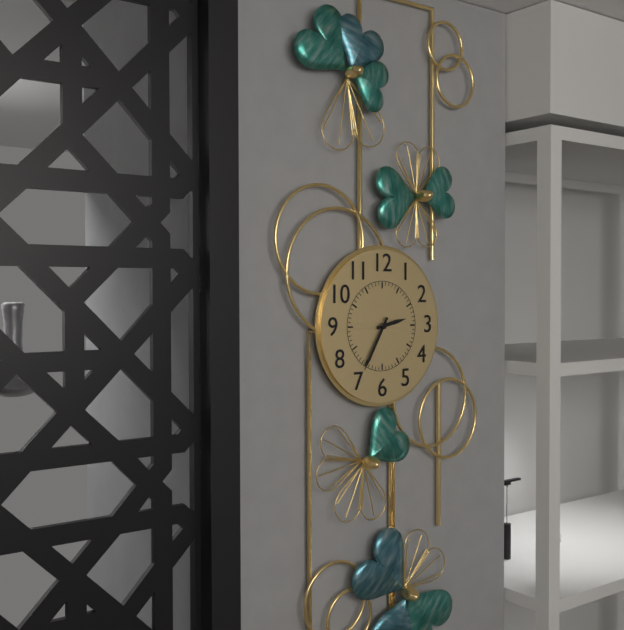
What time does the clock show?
2:35
